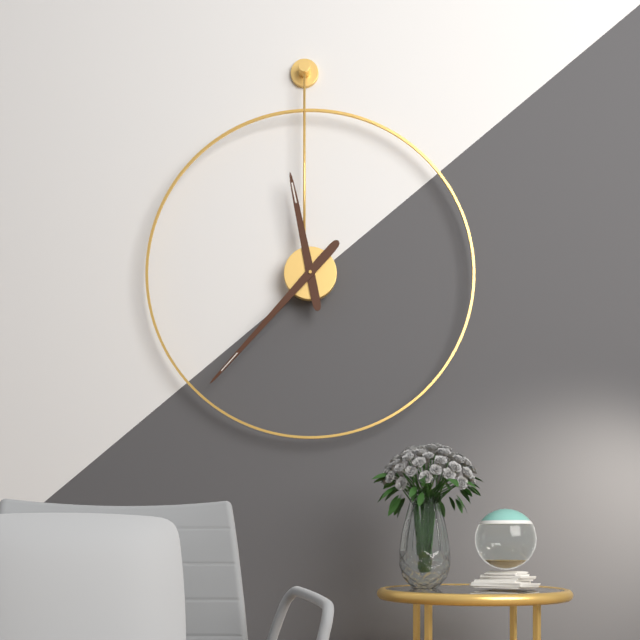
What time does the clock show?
11:37
